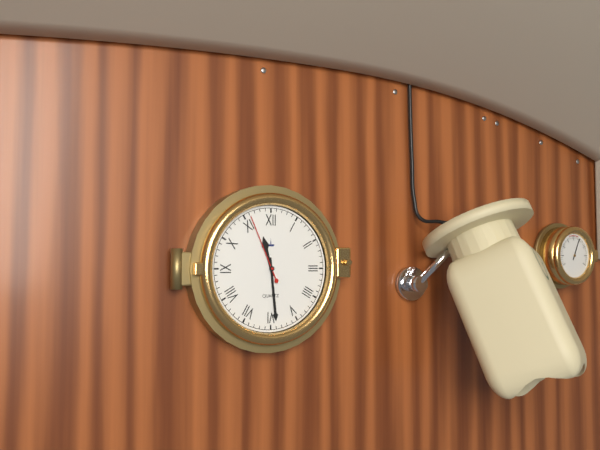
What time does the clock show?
11:29:56
